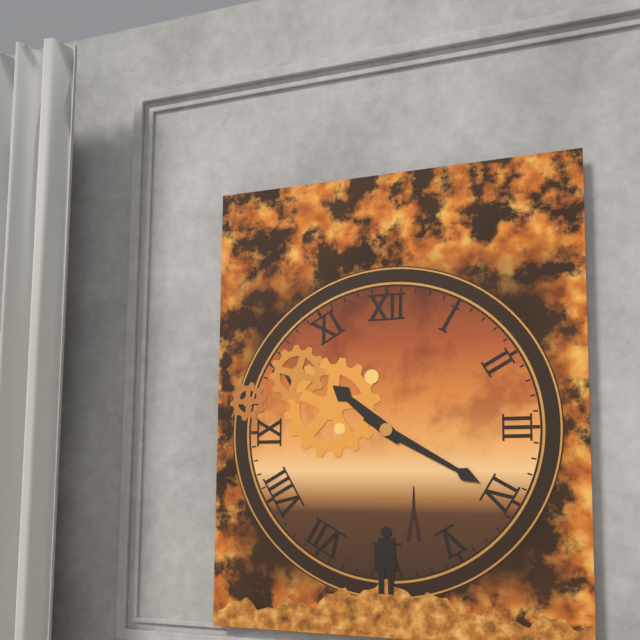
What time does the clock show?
10:20
